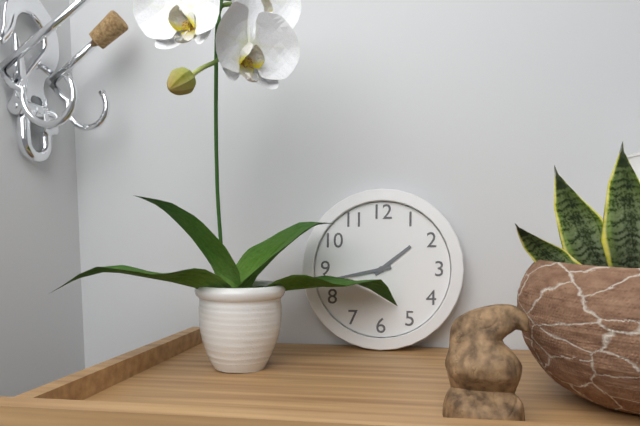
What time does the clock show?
1:43
